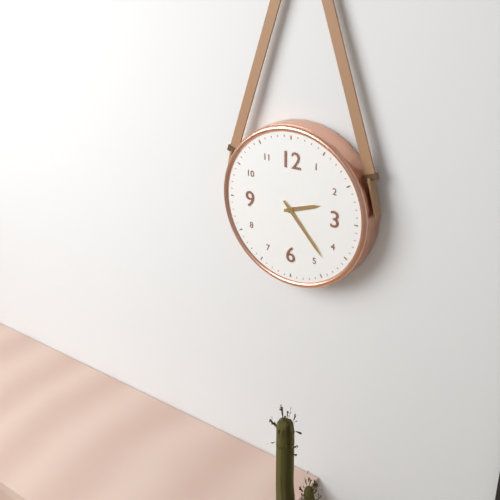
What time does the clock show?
2:23
